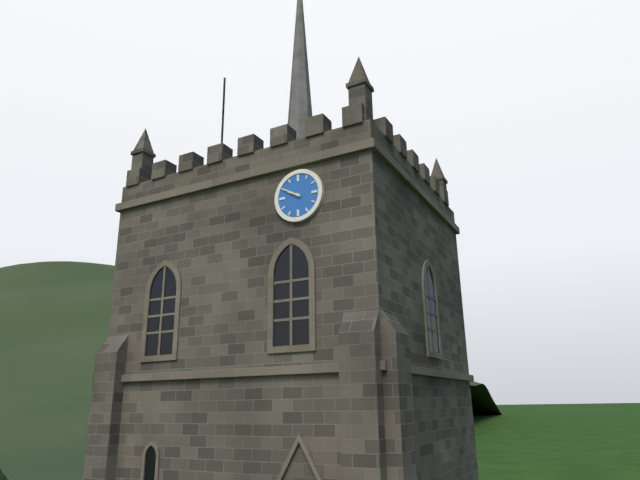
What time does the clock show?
9:50
